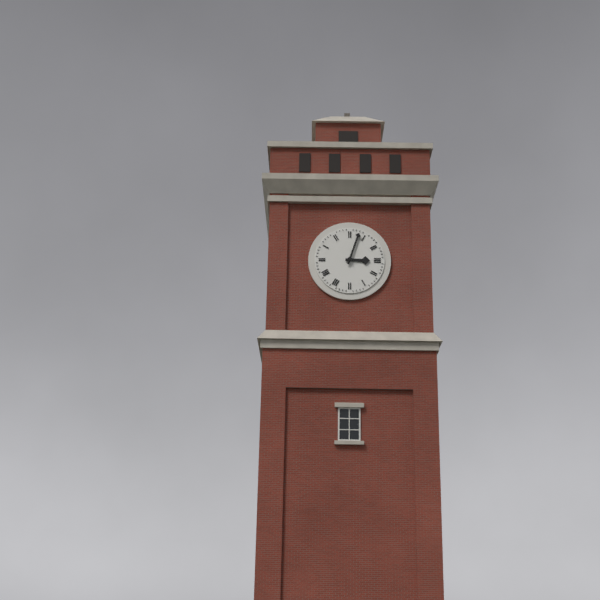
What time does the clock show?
3:03
